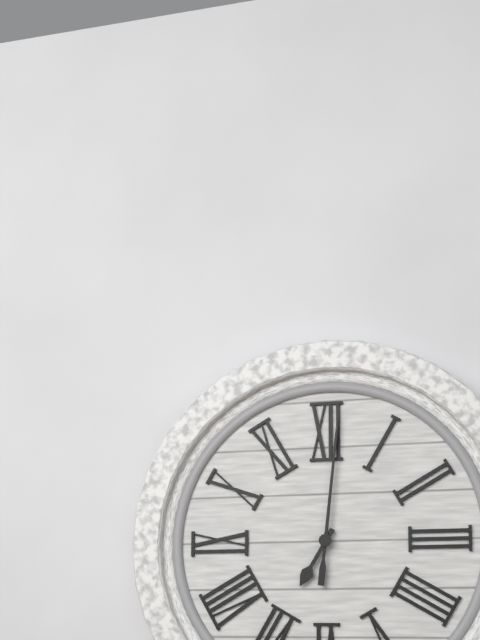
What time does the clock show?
7:01
